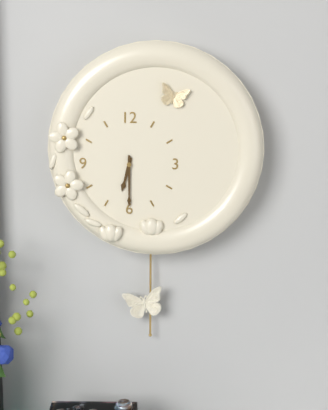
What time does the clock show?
6:30
